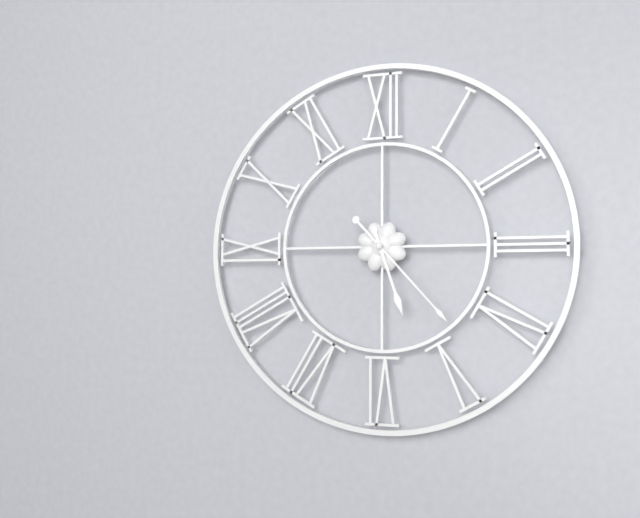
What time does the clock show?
5:23
